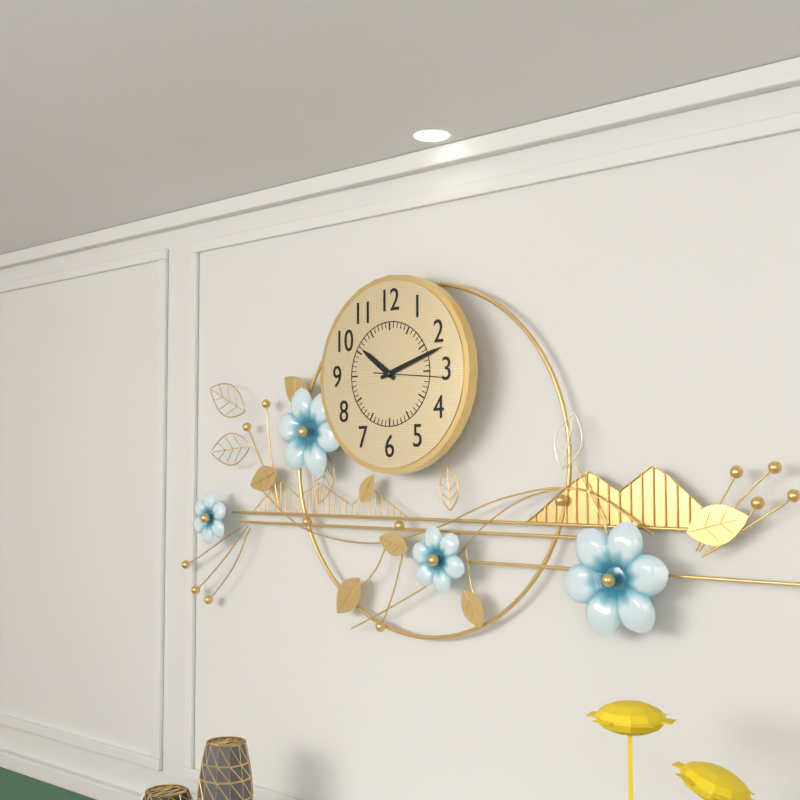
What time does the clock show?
10:12:16
